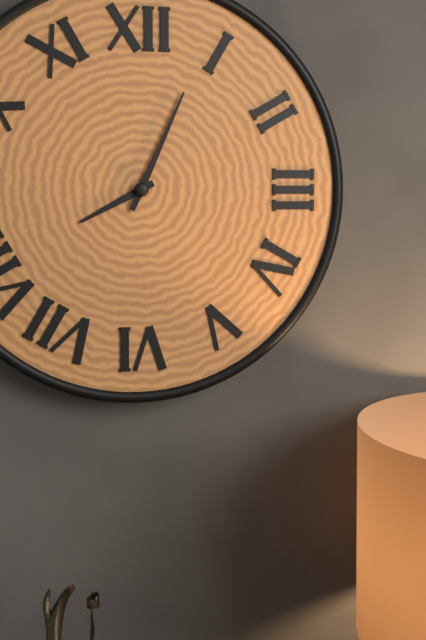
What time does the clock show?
8:04
